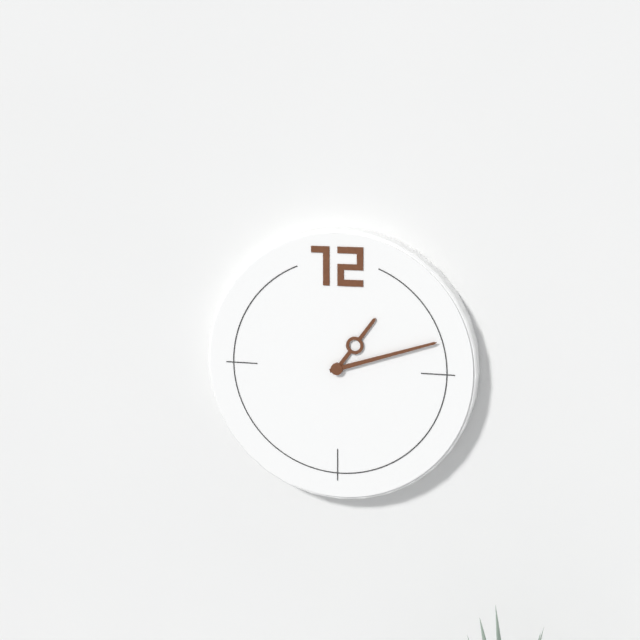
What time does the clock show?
1:12
